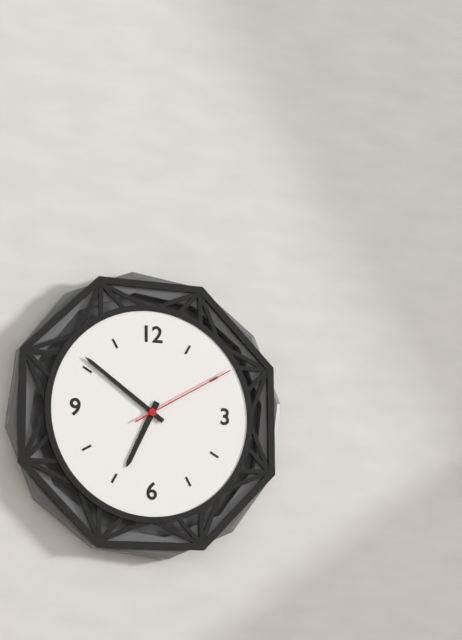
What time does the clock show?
6:51:10
